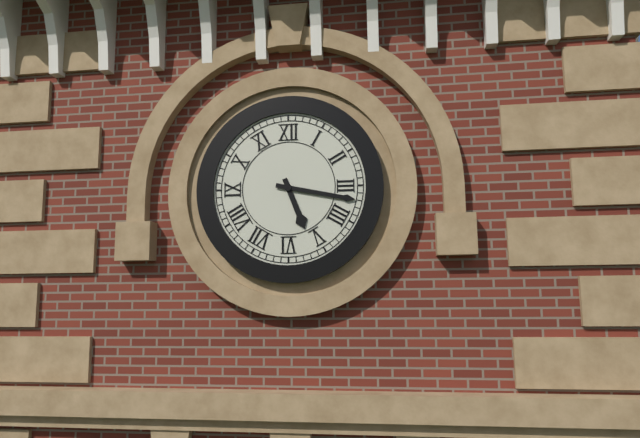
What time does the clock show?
5:17
